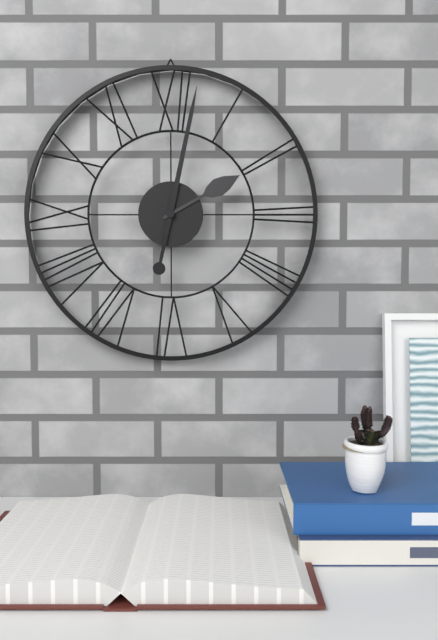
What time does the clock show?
2:02
